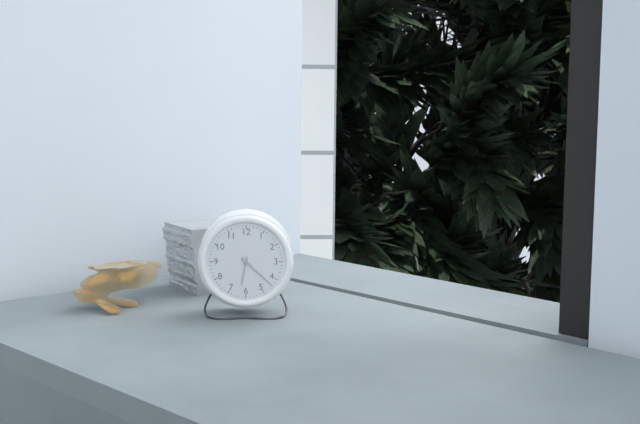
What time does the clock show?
6:22
